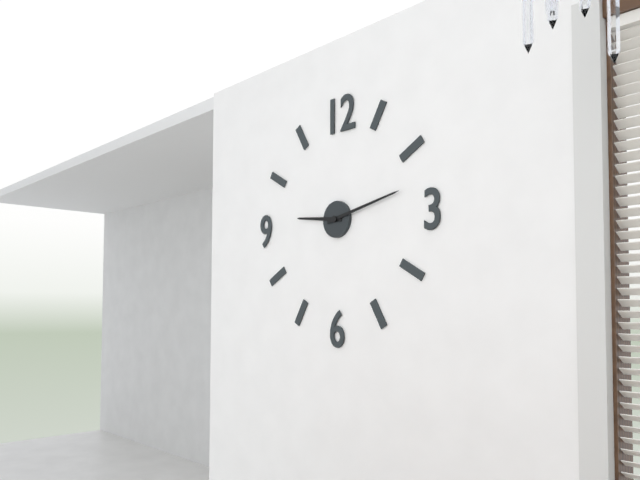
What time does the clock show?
9:13
